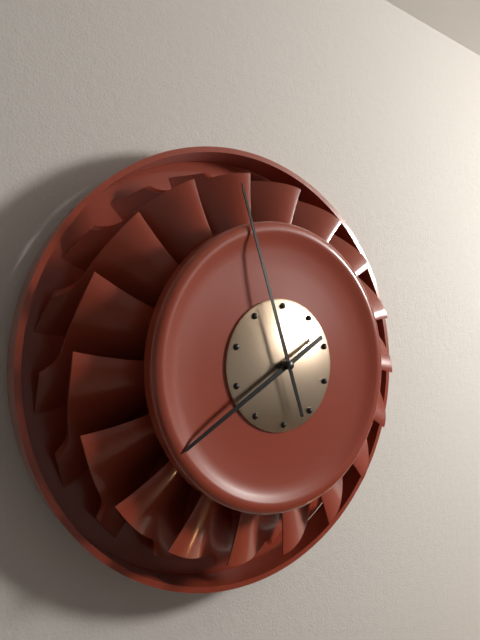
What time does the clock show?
7:57
